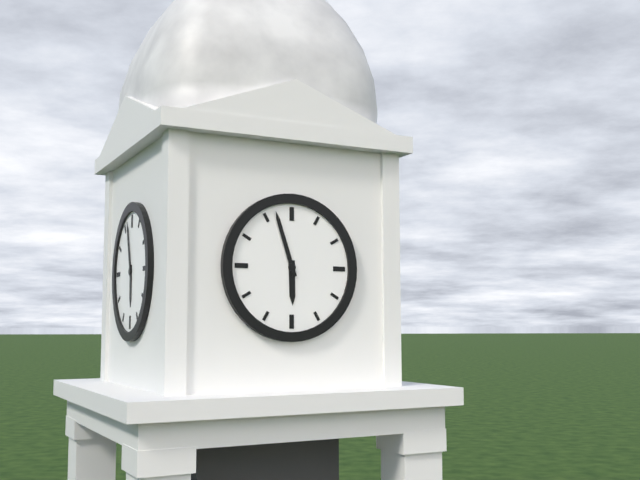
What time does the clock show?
5:57
